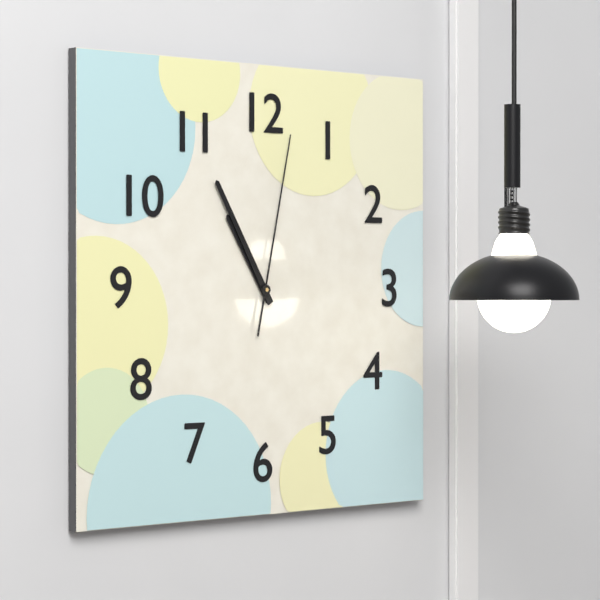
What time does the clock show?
10:55:02
